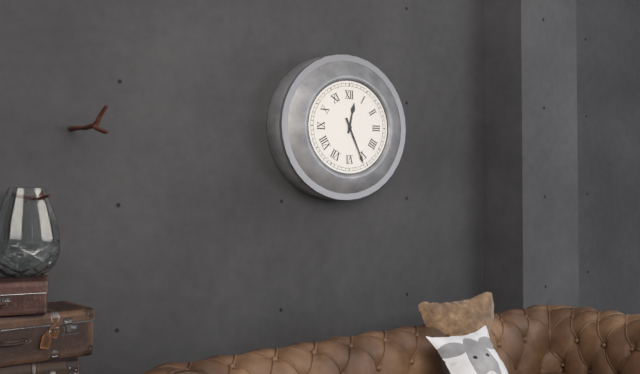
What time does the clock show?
12:26
